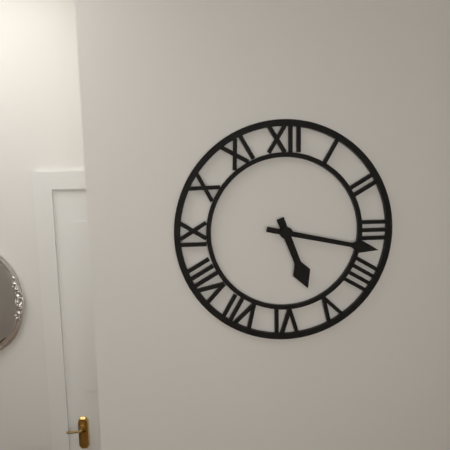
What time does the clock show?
5:17
